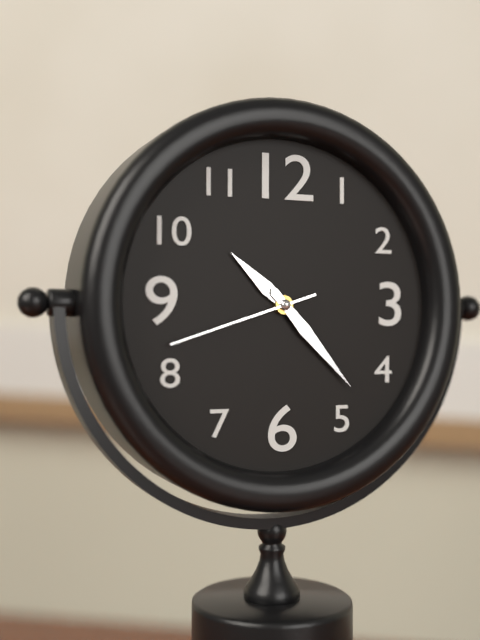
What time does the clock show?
10:23:42
